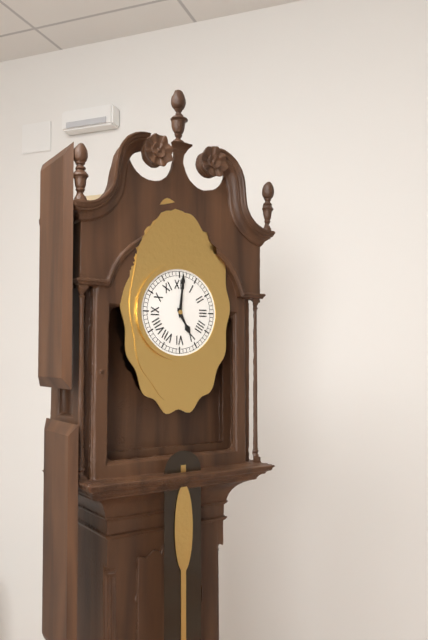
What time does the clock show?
5:01
